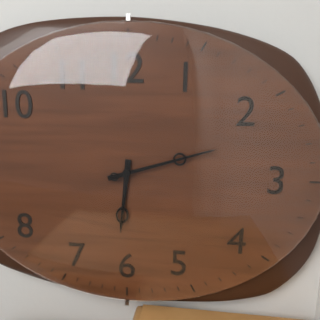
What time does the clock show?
6:12
